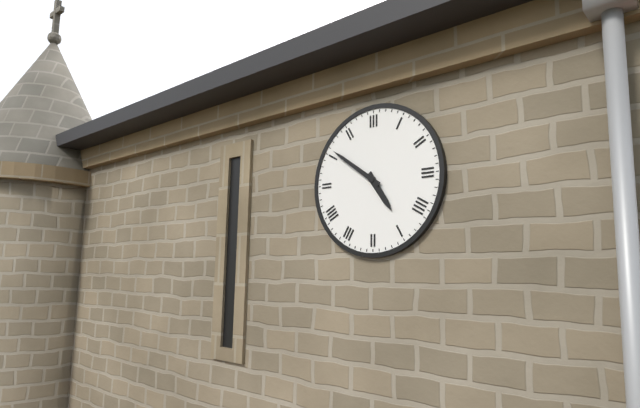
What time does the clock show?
4:51
